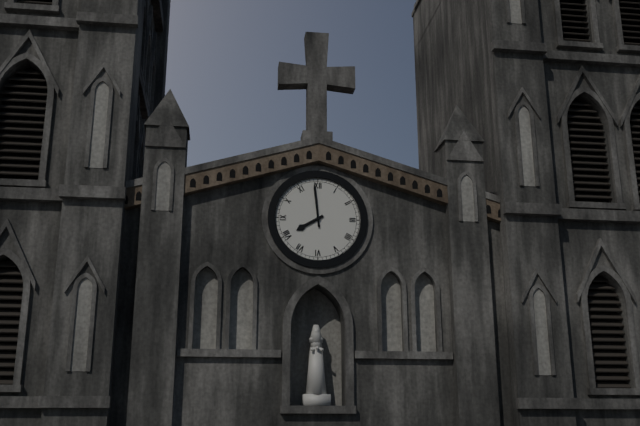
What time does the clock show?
7:59
